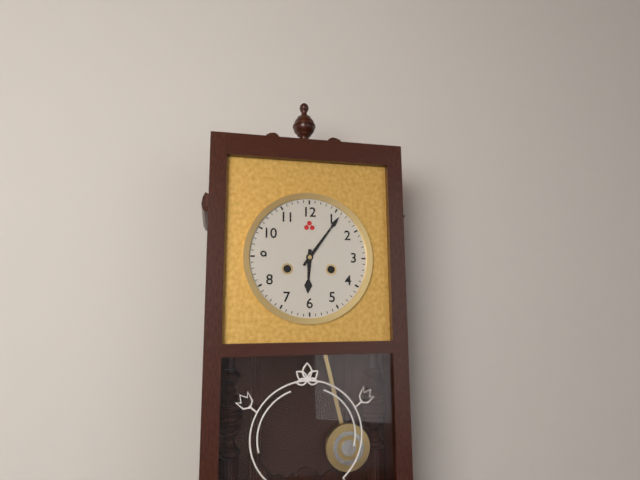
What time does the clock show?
6:06
